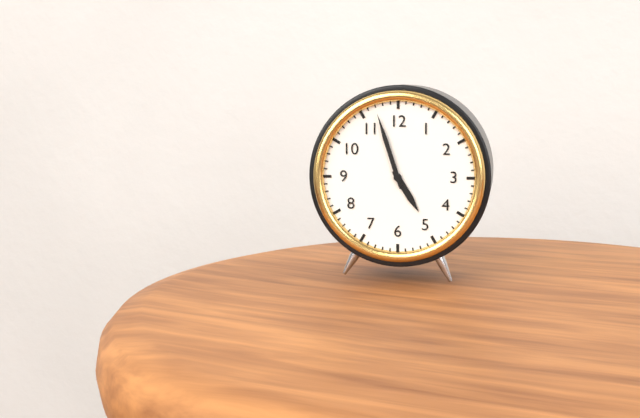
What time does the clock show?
4:57
